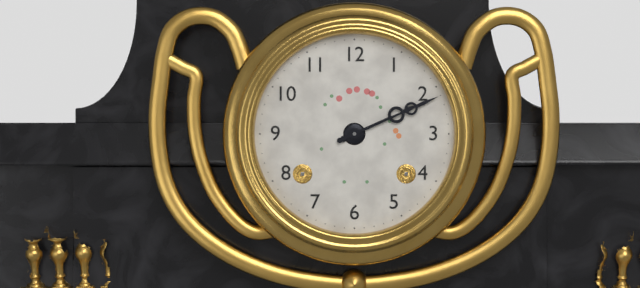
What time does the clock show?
2:11
